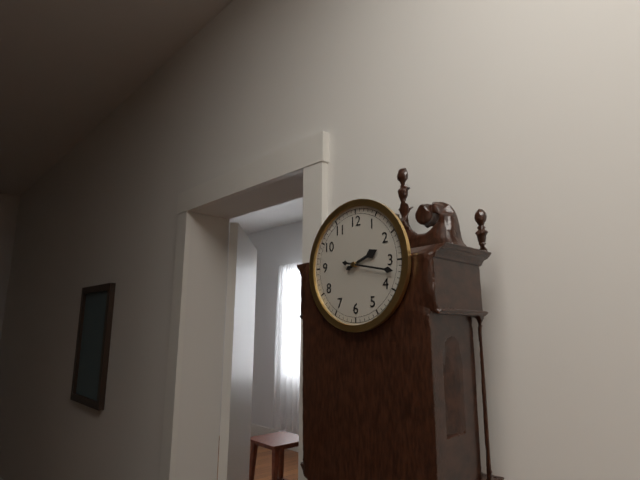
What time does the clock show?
2:17
